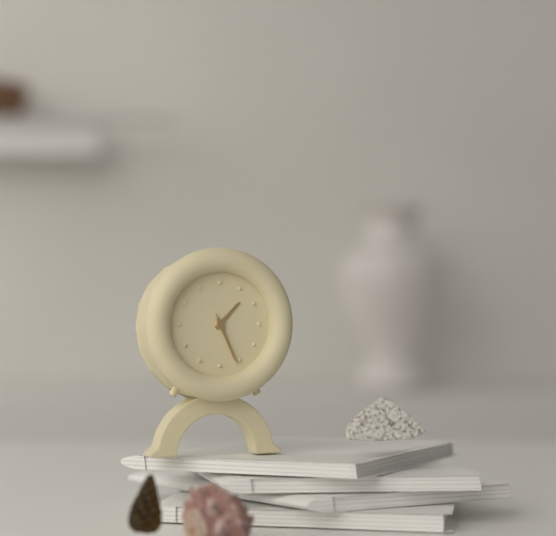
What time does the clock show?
1:26:26
